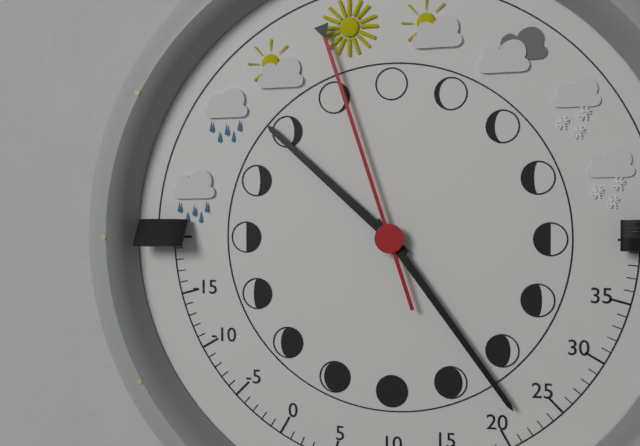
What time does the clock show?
10:24:57
